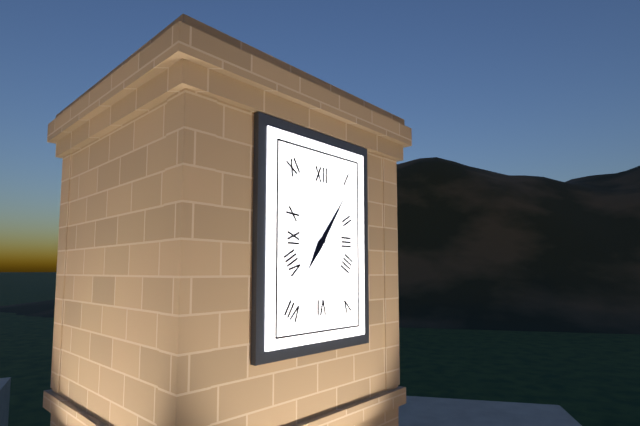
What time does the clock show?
7:06
